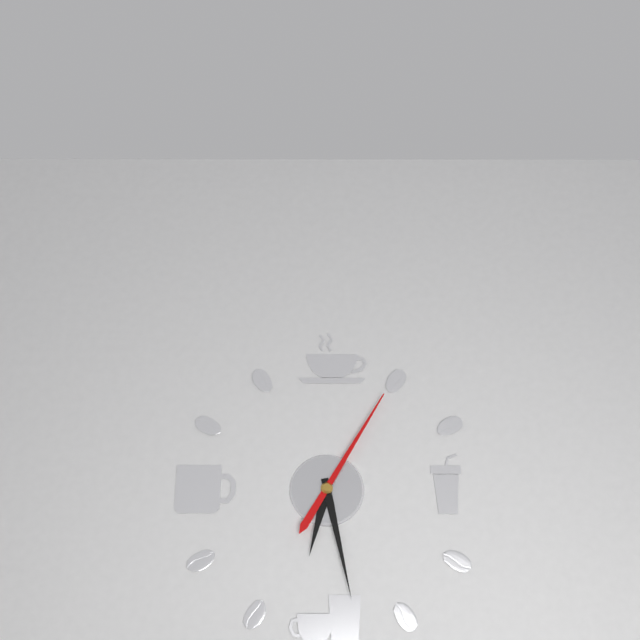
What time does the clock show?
6:28:05
